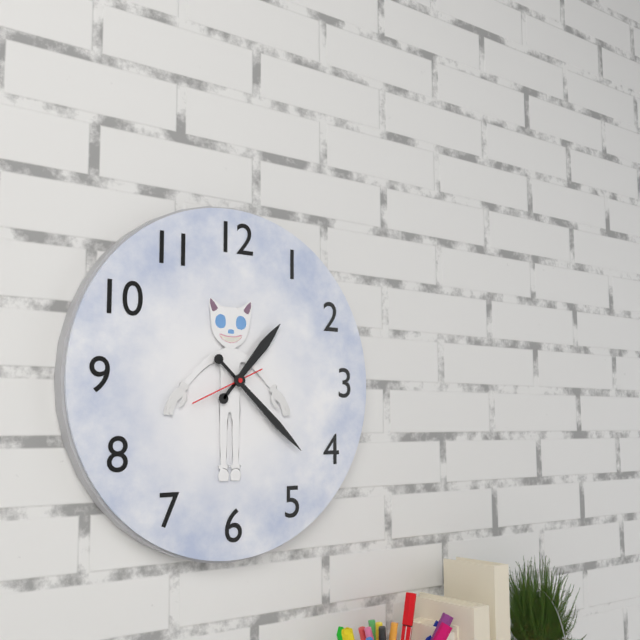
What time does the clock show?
1:22:41
